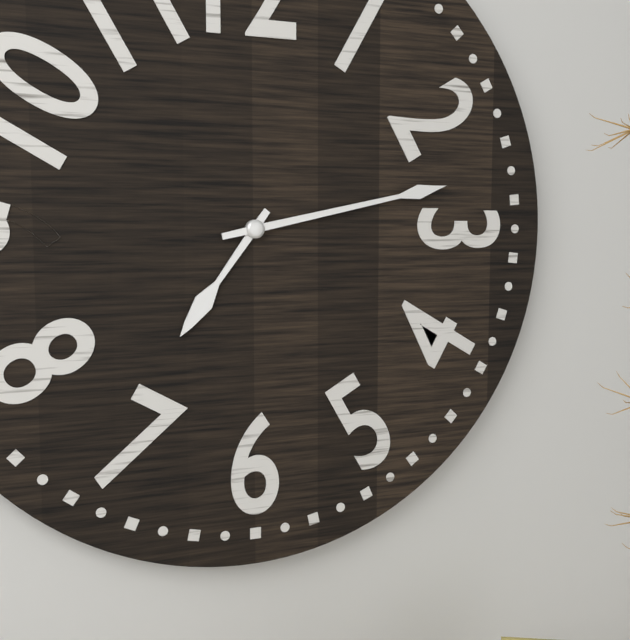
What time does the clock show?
7:13
